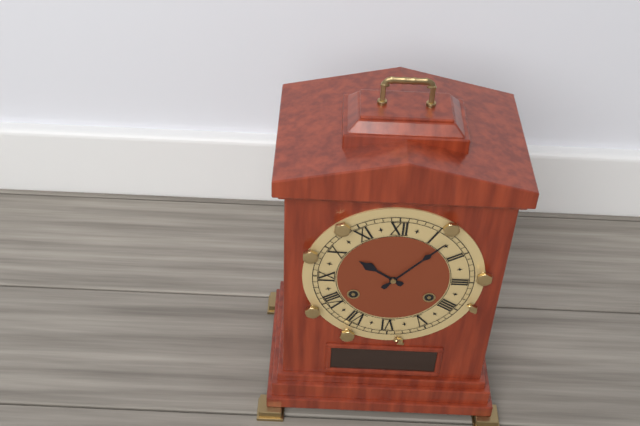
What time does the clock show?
10:07
